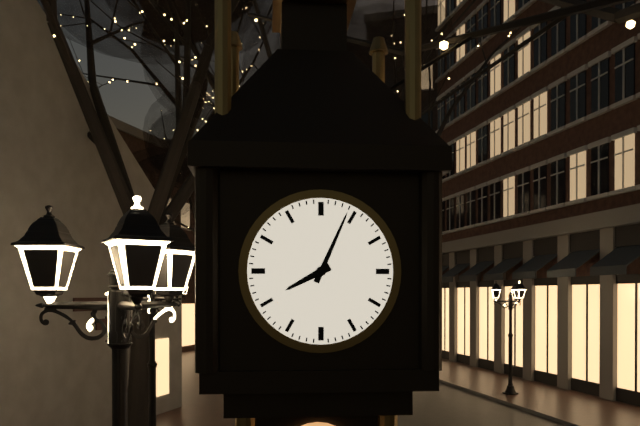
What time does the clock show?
8:04
